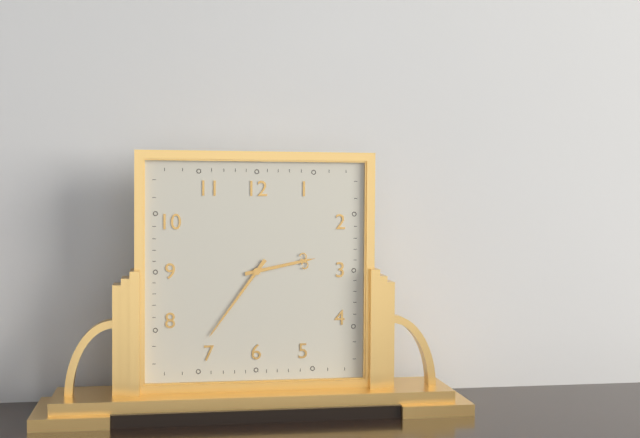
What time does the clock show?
2:36
